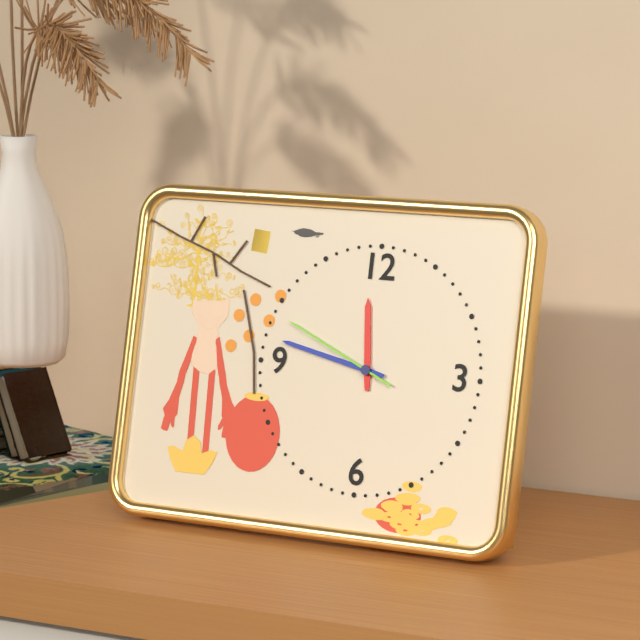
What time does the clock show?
11:47:49
